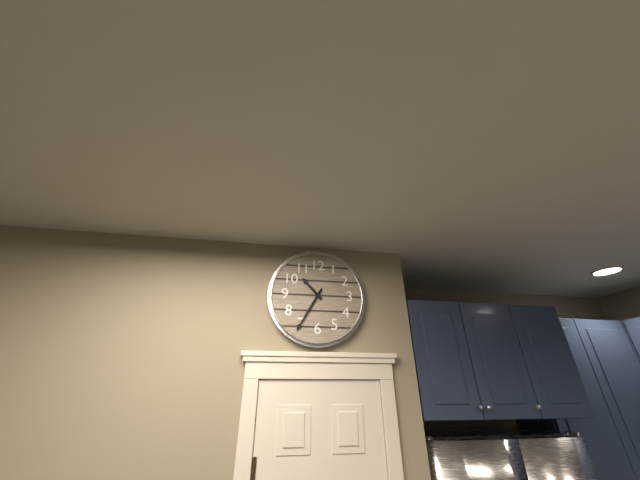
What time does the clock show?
10:35
